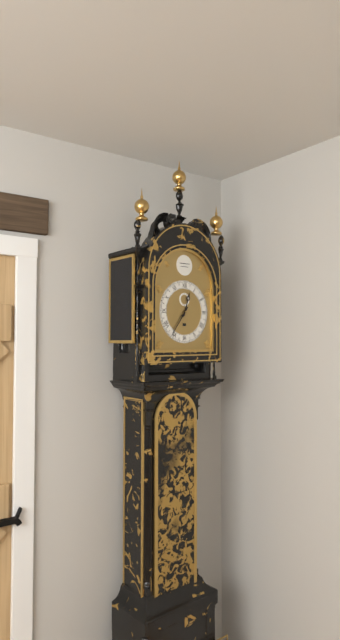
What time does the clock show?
12:36
